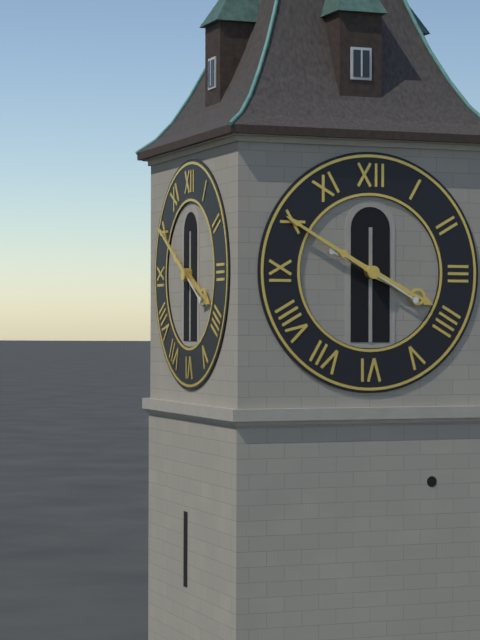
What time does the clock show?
3:50
